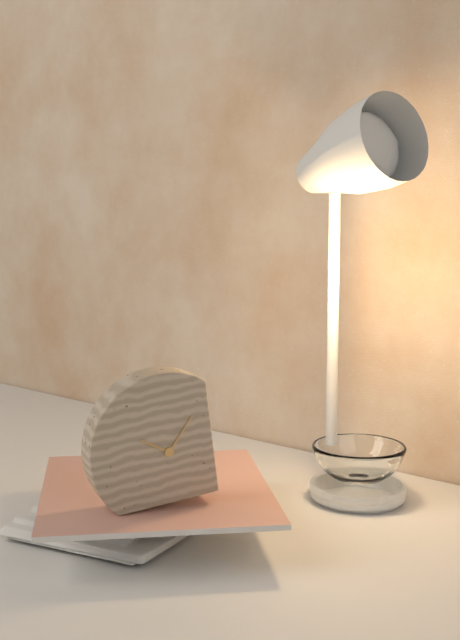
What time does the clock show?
10:07
